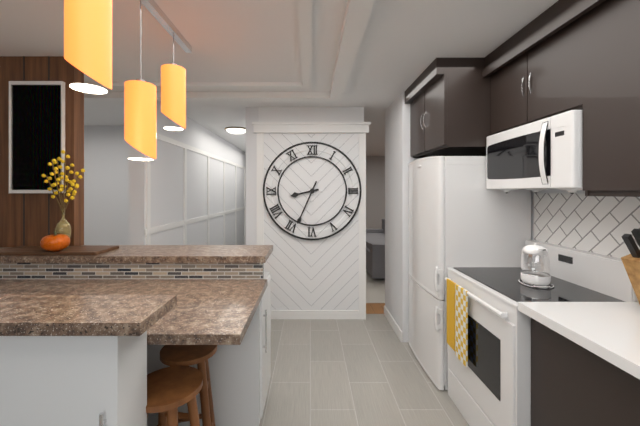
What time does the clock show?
8:34
